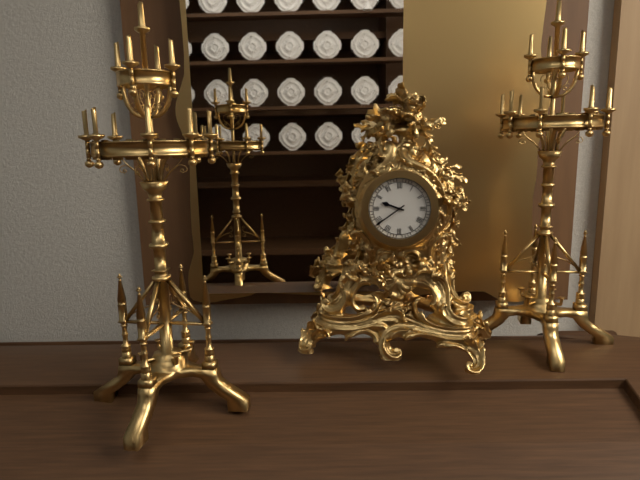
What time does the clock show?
9:39
